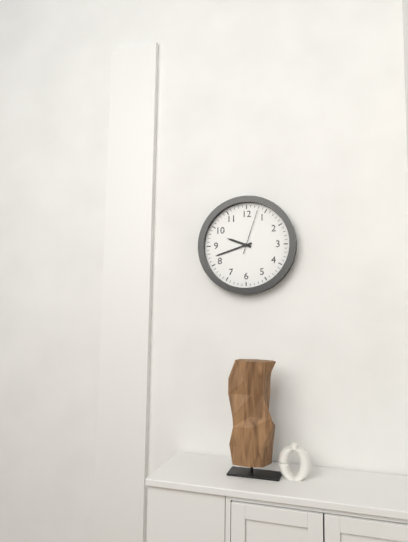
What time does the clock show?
9:42
